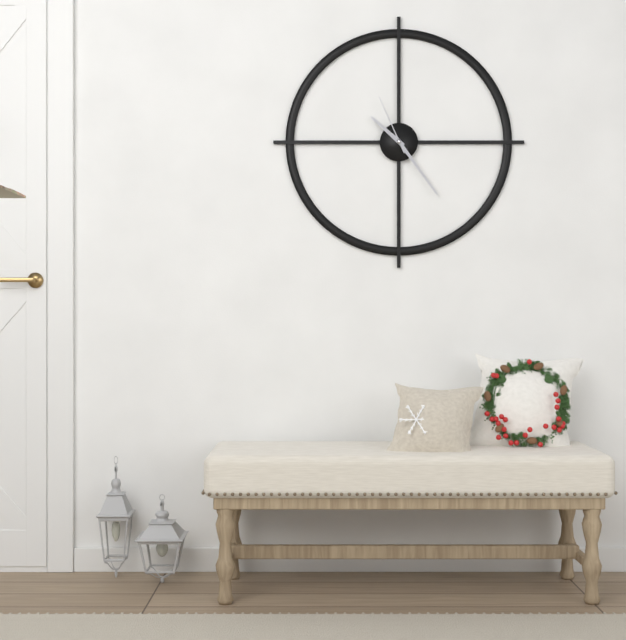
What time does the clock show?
10:24:56
